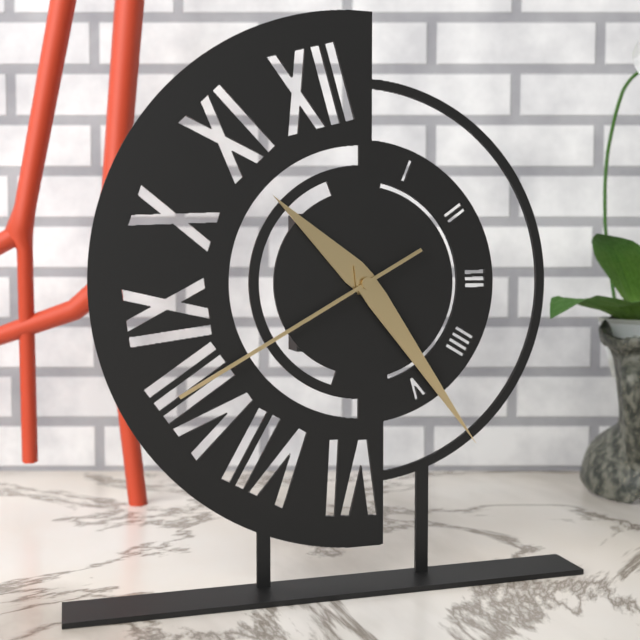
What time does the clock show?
10:24:40
